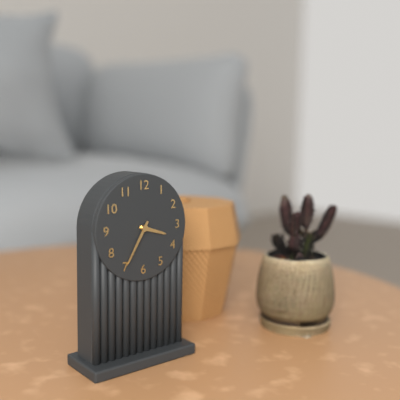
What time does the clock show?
3:35
